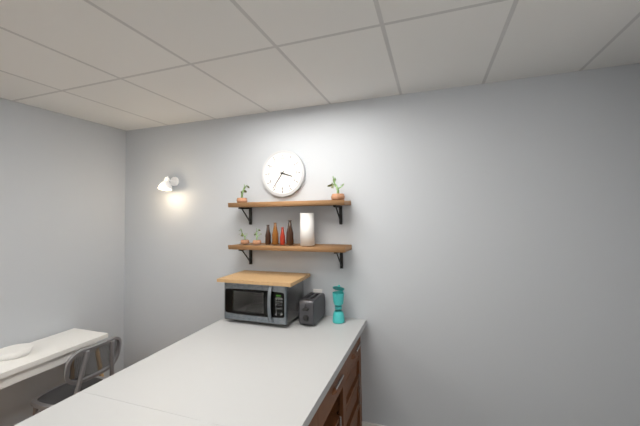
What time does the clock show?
3:36
